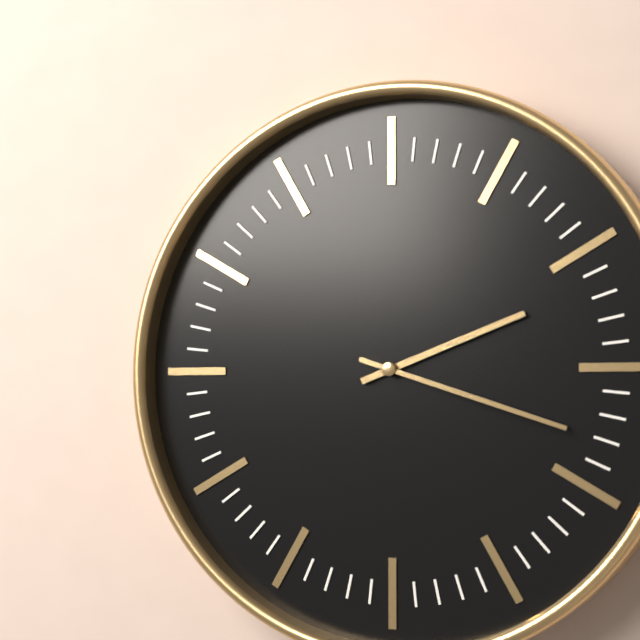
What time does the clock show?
2:18
